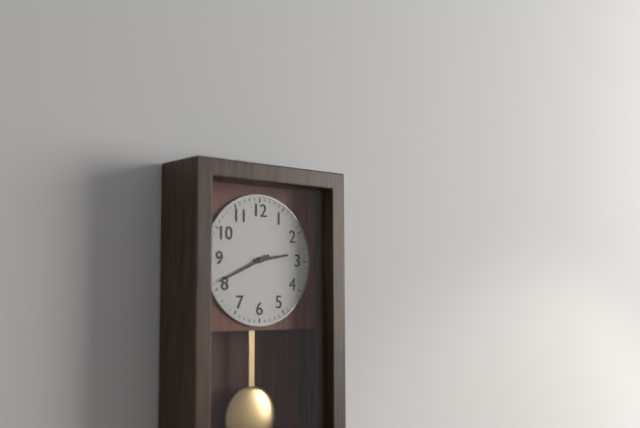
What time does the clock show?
2:41
